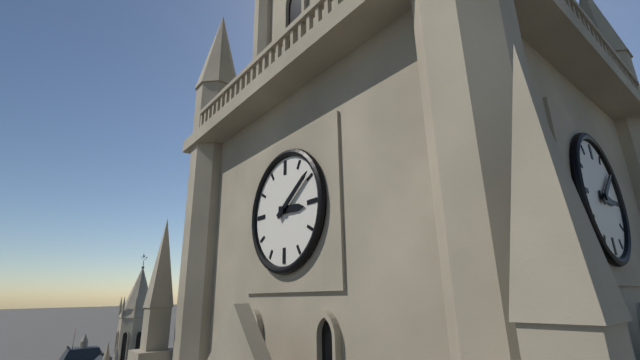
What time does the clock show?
3:09
